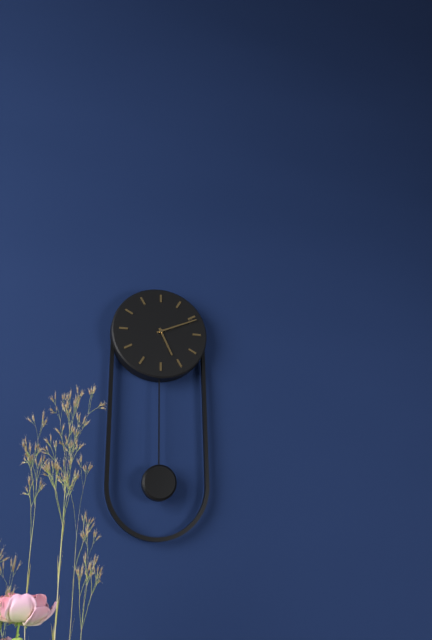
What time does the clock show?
5:11
